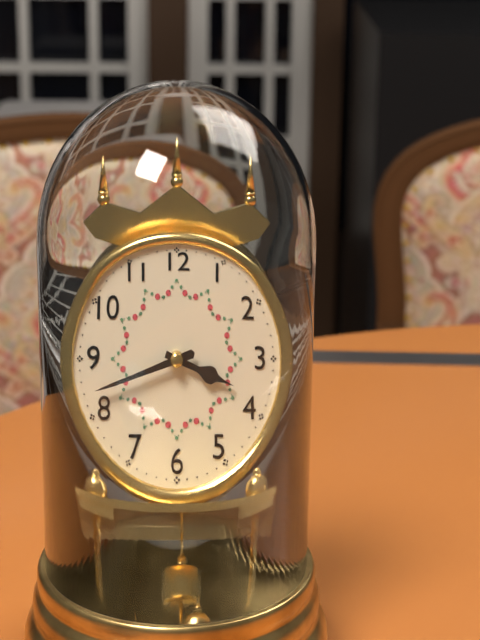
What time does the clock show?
3:42
